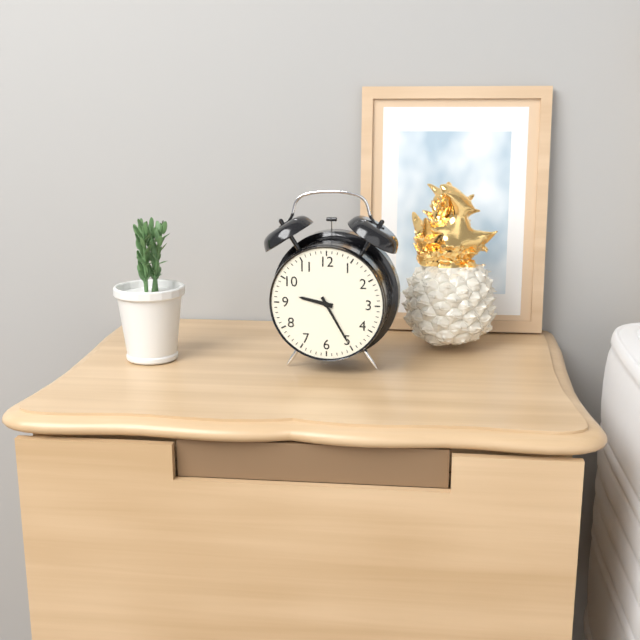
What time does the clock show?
9:25
